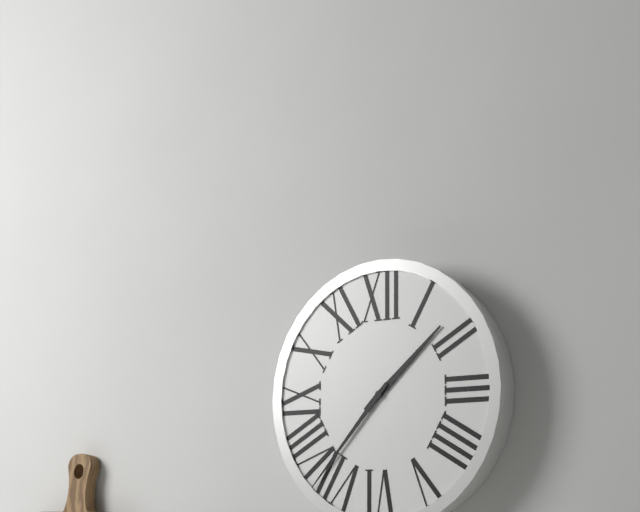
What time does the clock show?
1:37
